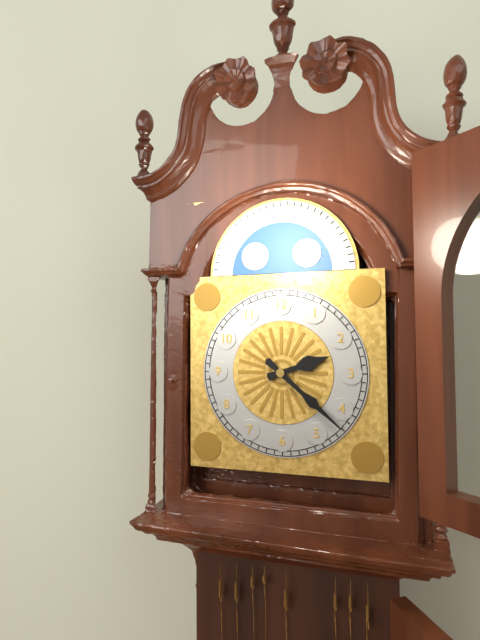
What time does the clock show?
2:22
